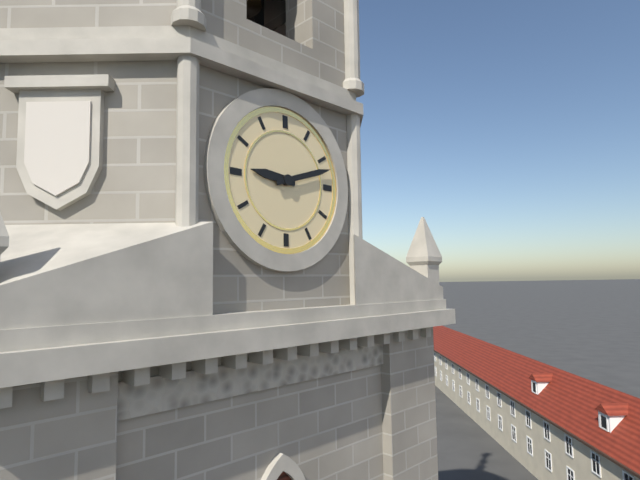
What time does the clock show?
9:12
